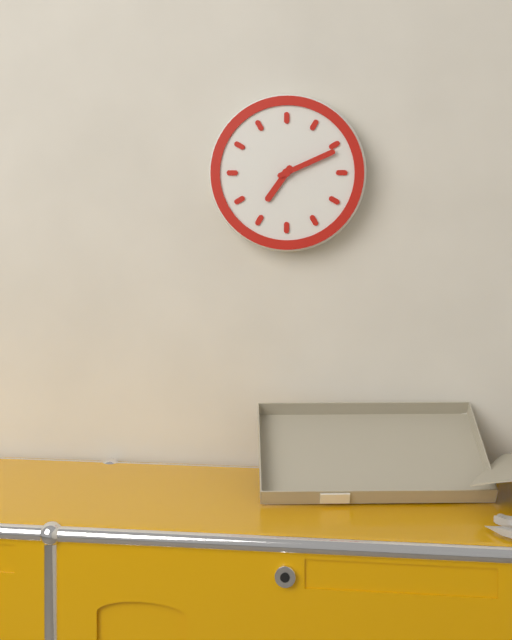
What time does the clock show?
7:11
